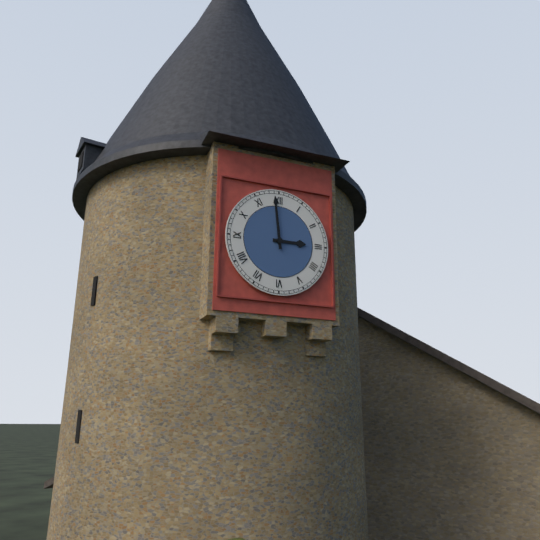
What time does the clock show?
2:59
